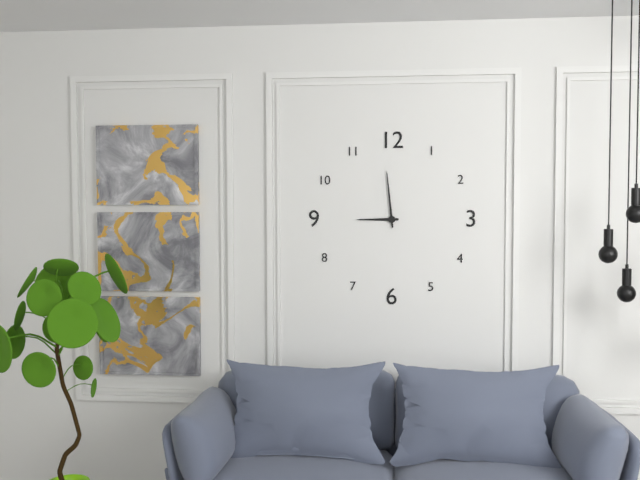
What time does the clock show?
8:59
